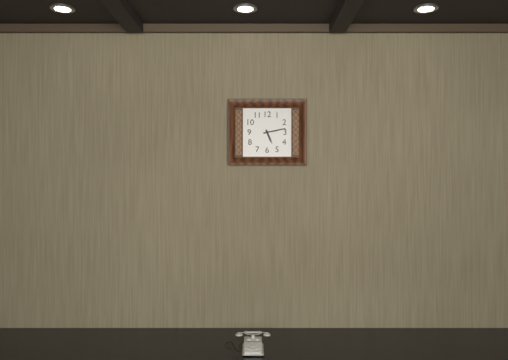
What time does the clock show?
5:13
